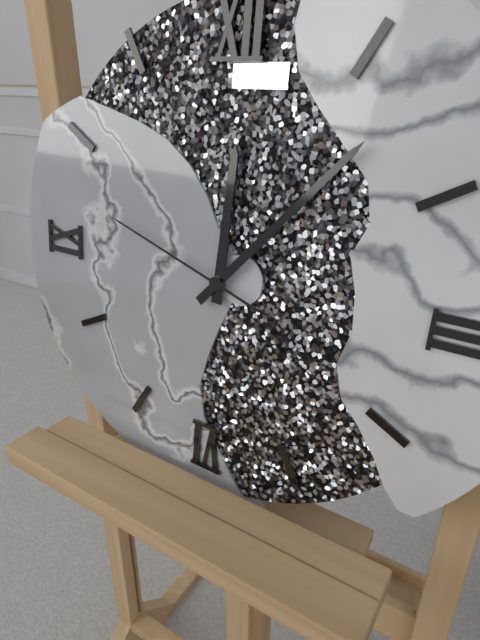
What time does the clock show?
12:07:48
